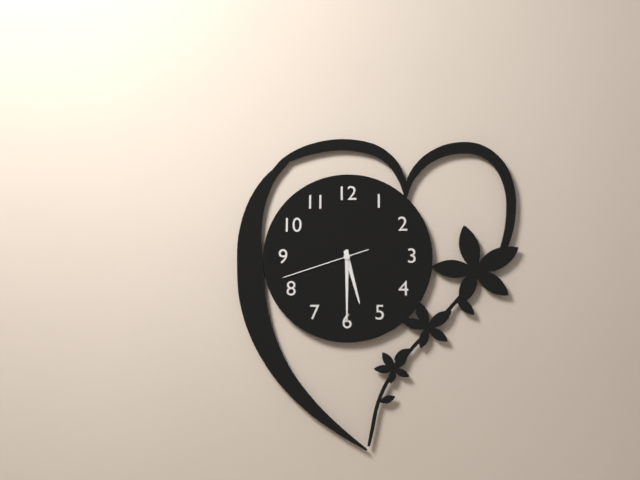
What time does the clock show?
5:30:42
